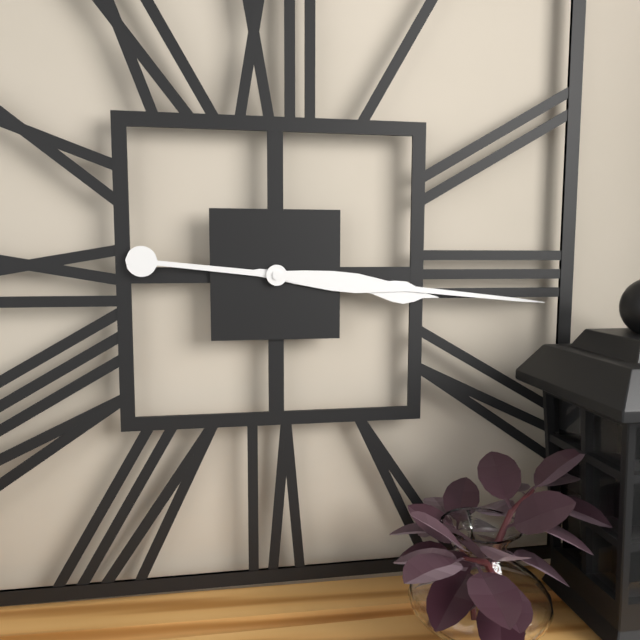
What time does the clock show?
3:16
